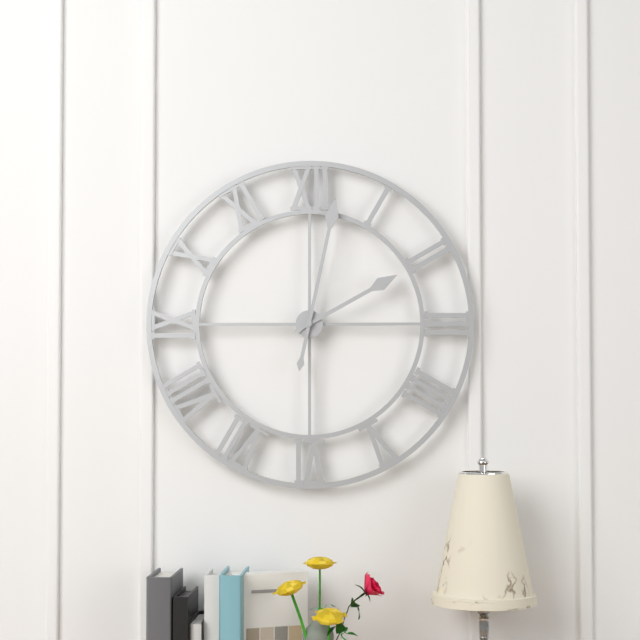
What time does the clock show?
2:02
